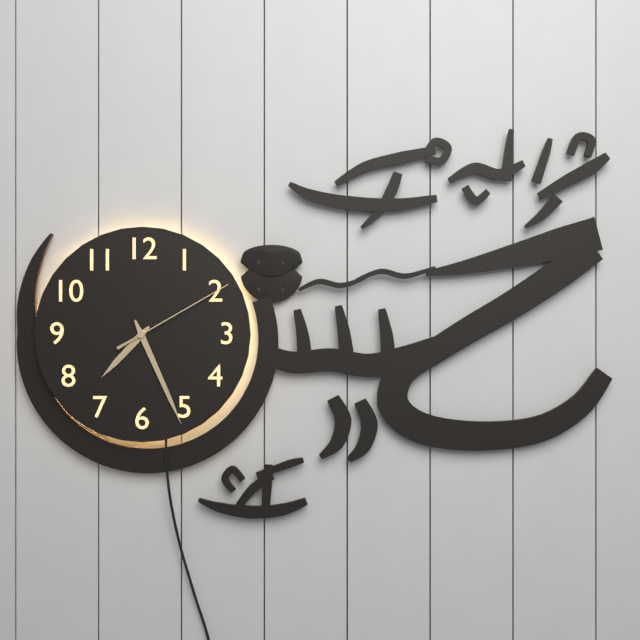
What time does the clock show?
7:26:10
